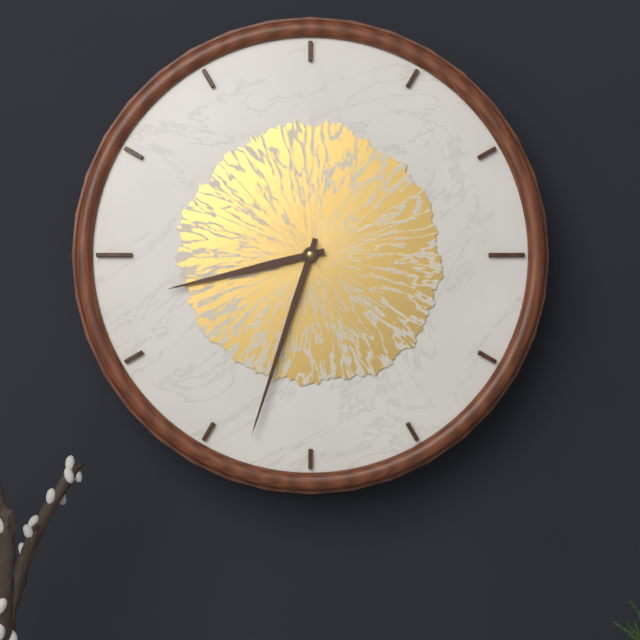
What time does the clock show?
8:33
